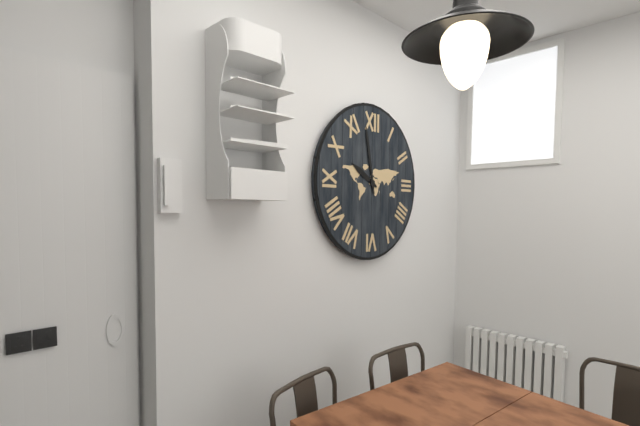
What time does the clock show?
9:58
